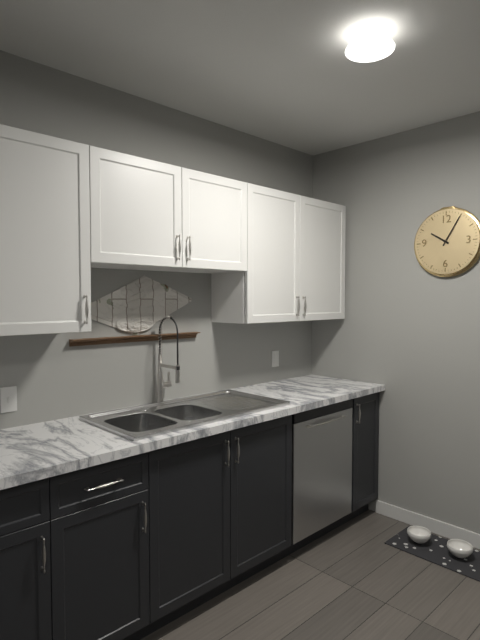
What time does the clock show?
10:05
